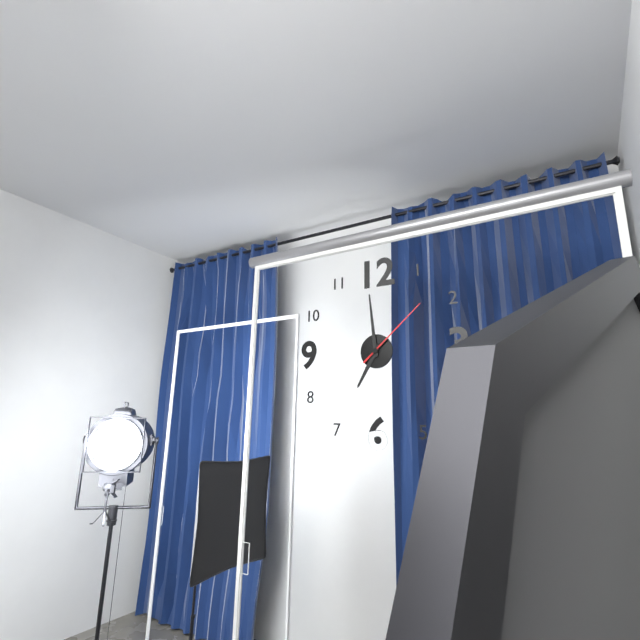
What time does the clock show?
6:59:08
